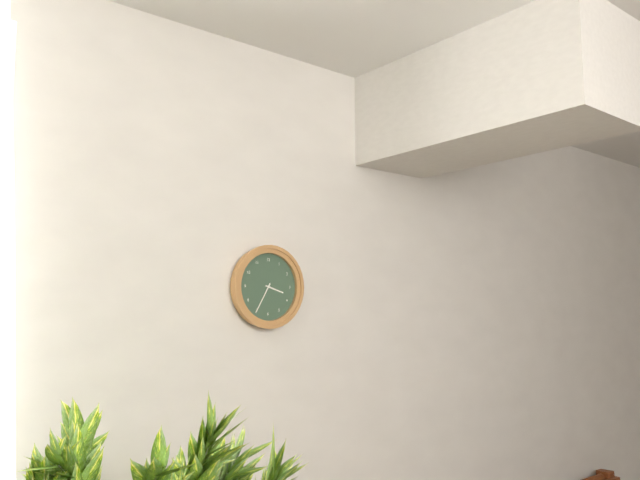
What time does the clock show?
3:35
